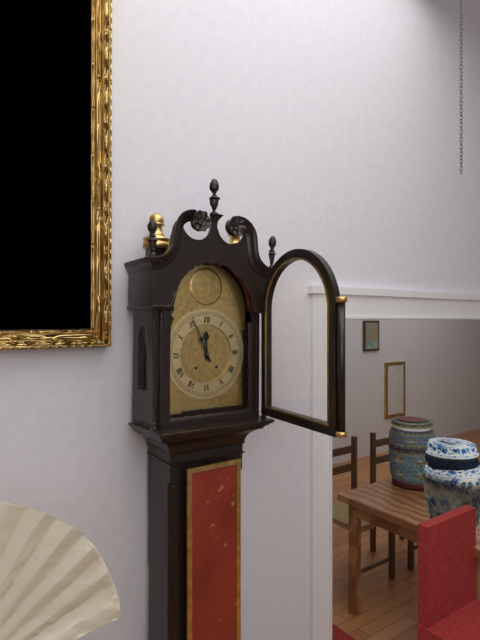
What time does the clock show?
11:56
